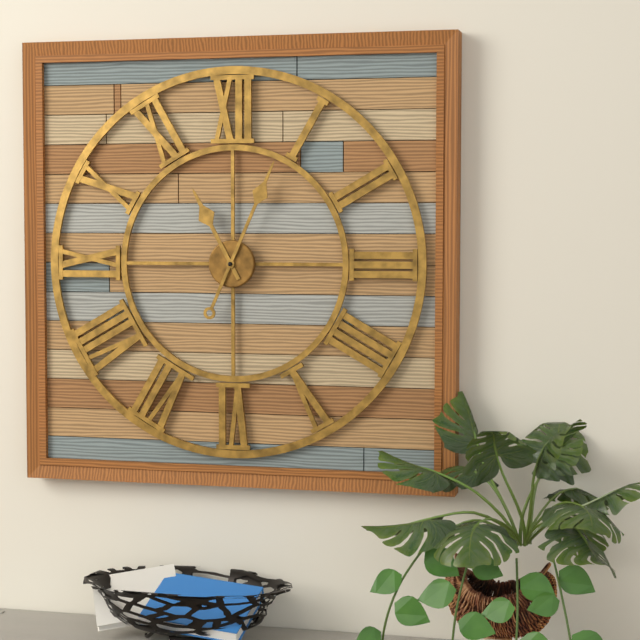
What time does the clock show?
11:04
